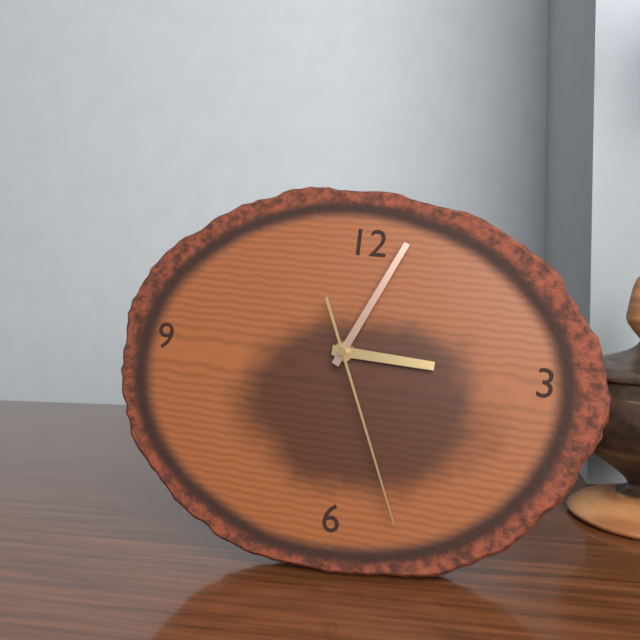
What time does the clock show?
3:04:26
